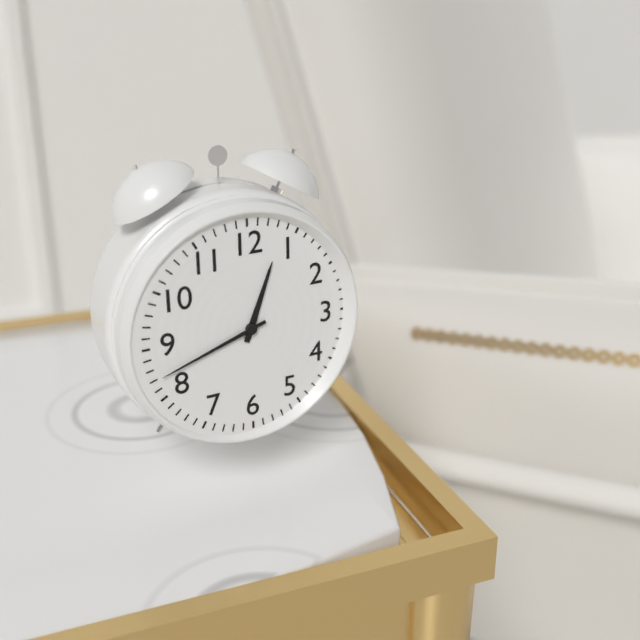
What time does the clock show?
12:42
